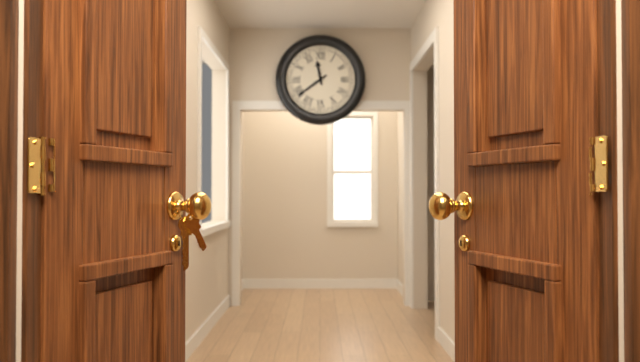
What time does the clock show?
11:39
